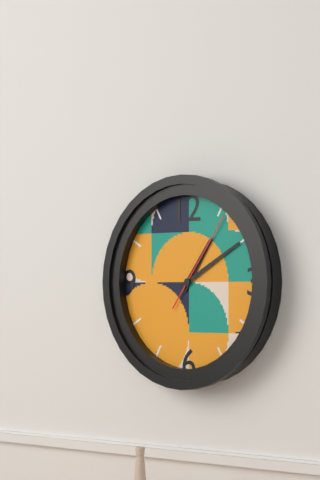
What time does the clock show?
1:10:06
